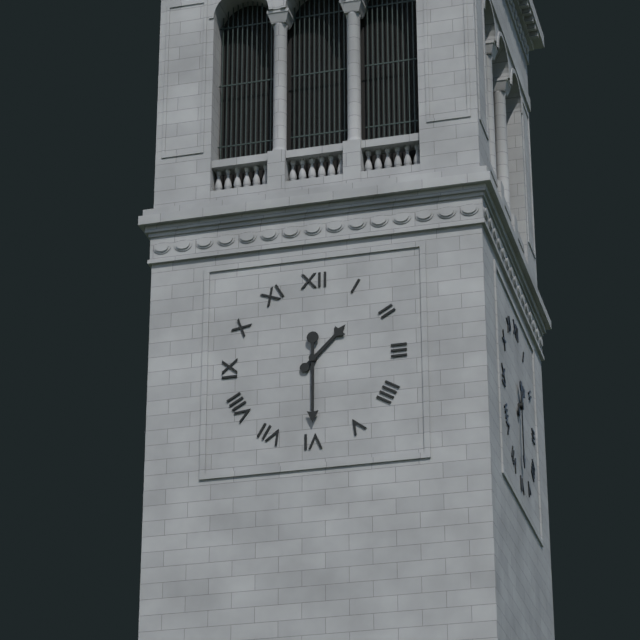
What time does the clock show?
1:30
